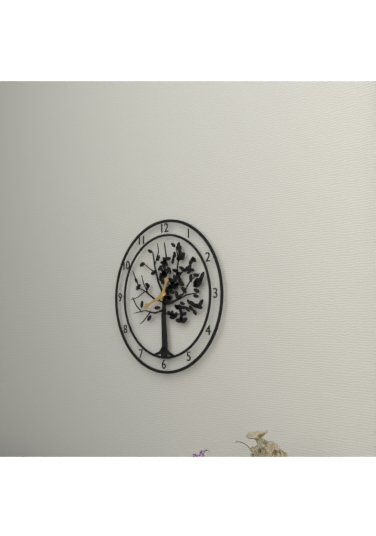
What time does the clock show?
12:41
